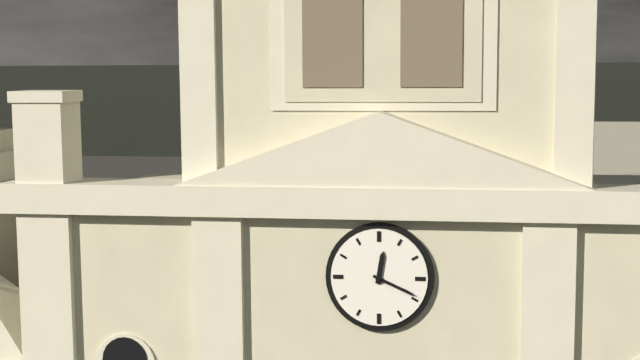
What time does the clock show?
12:19
